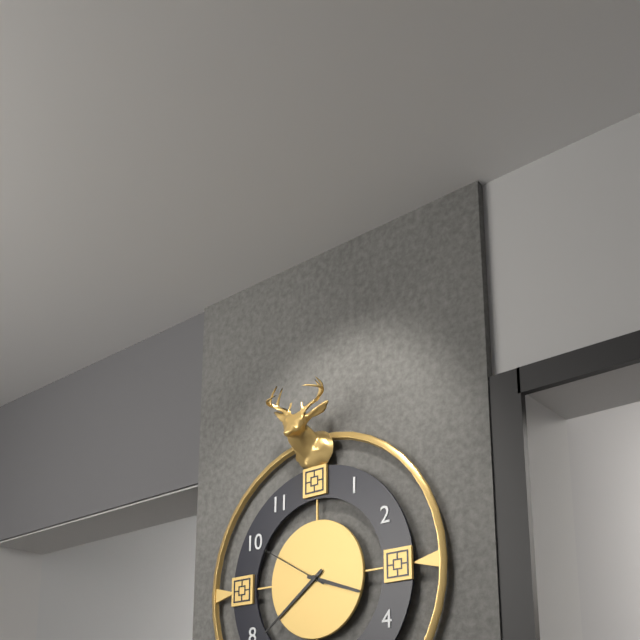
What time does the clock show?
3:39:50
